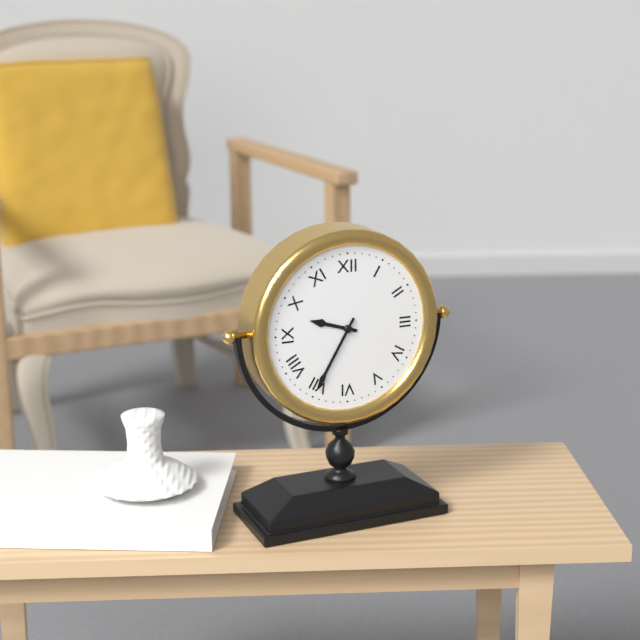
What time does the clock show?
9:35
